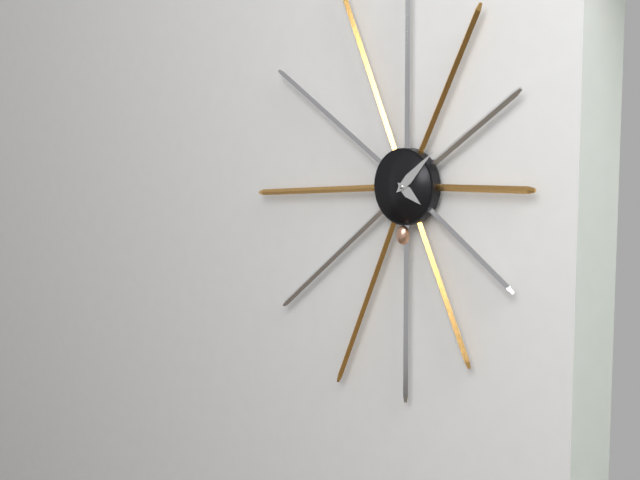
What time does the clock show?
4:08
